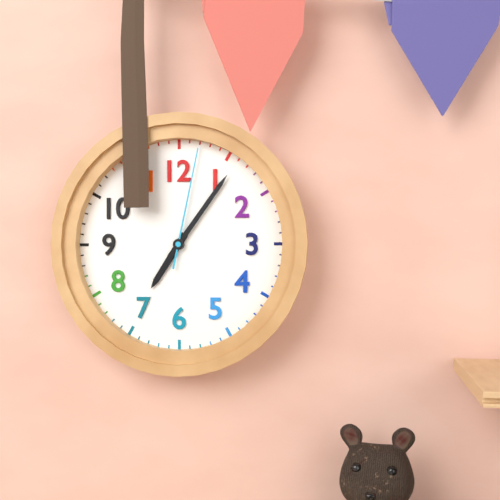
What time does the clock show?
7:06:02
